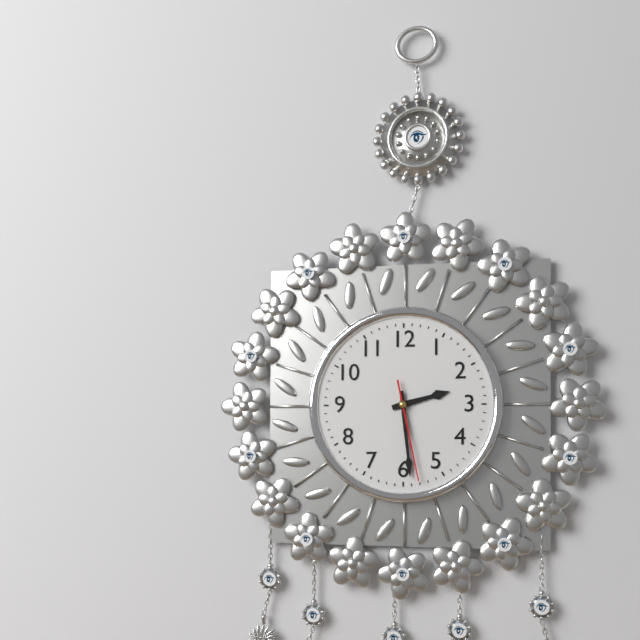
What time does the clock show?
2:29:28
